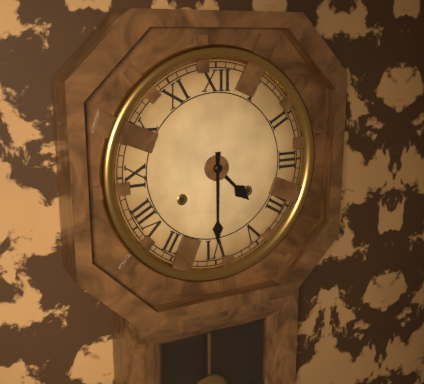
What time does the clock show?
4:30
